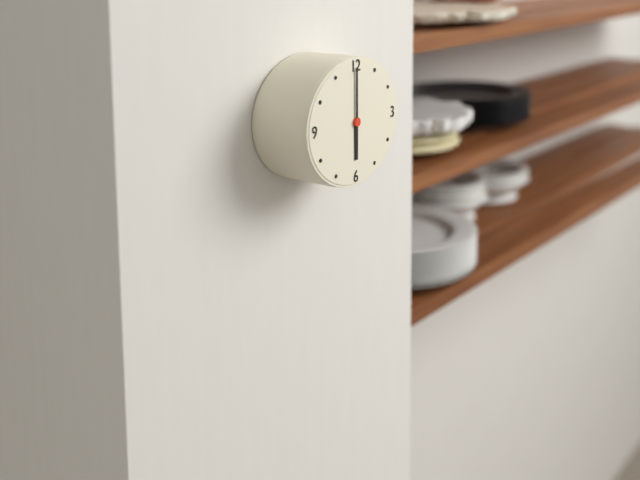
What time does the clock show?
6:00
